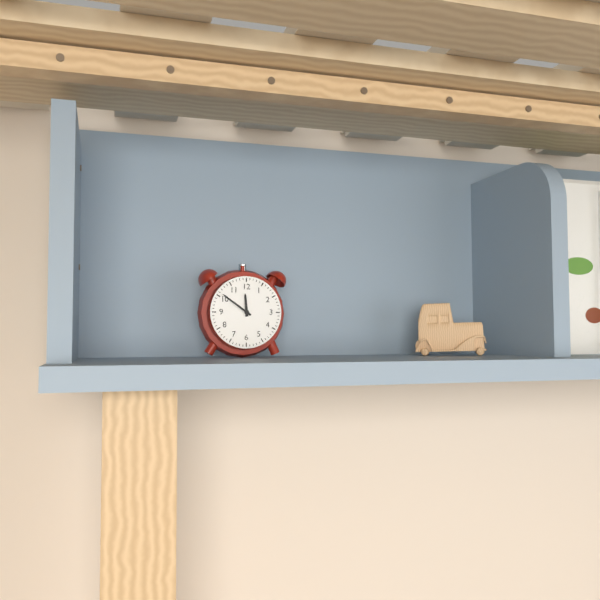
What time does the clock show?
11:51
